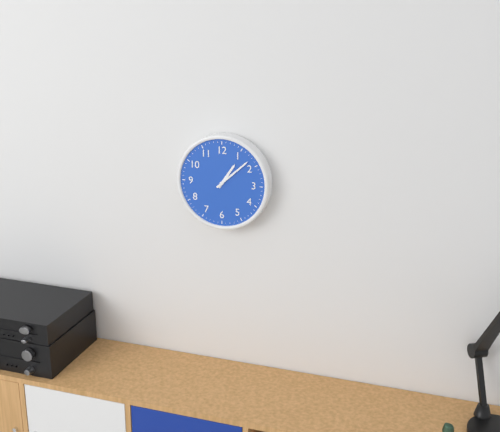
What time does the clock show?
1:08
